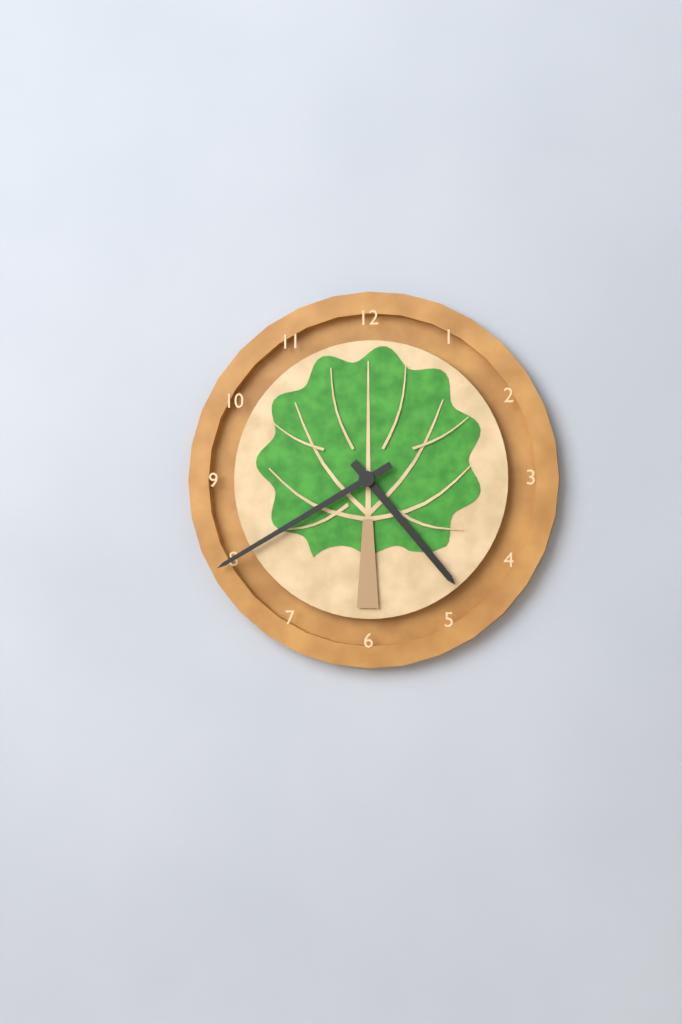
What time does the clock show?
4:40
